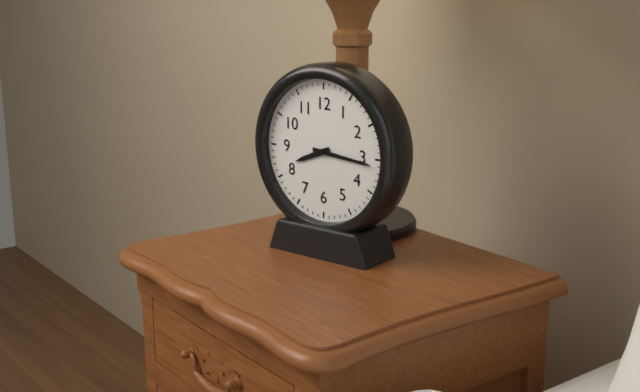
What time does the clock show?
8:16
